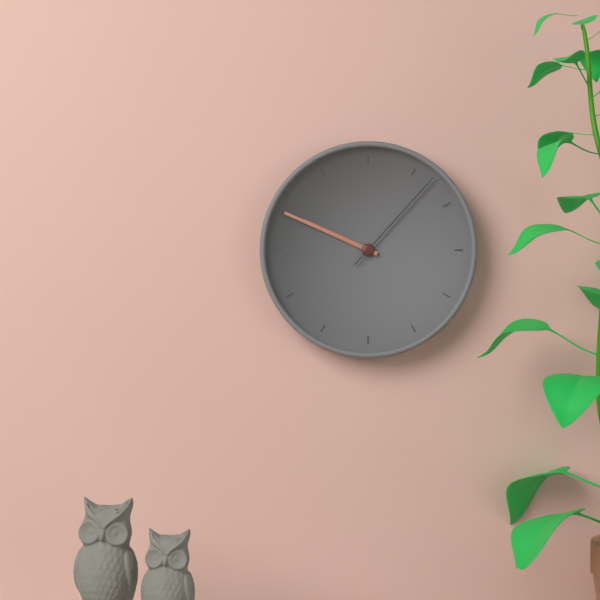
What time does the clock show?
9:49:07
